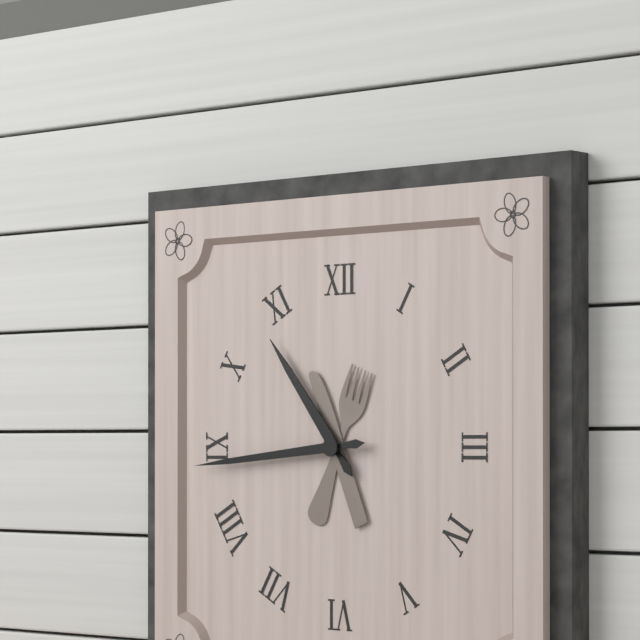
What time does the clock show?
10:44
